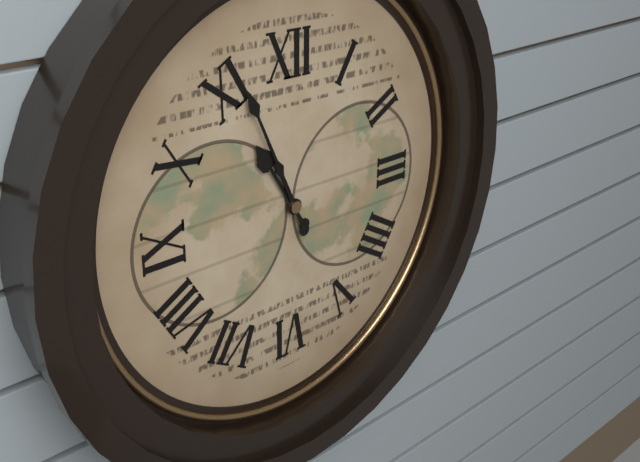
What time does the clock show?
10:56
